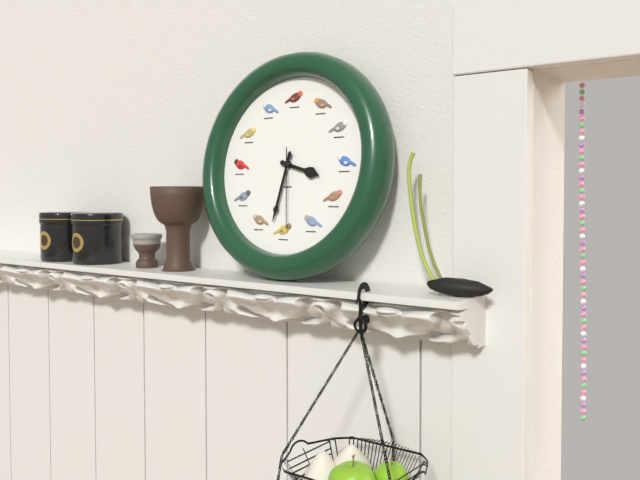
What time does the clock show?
3:32:29
